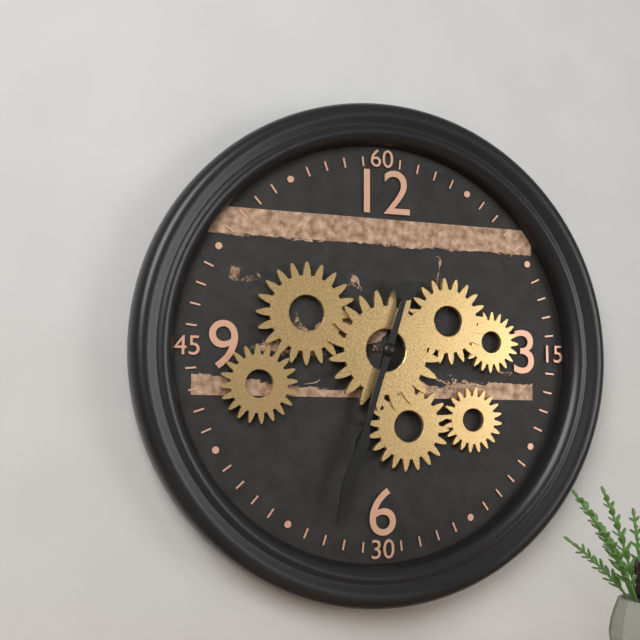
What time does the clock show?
6:33
